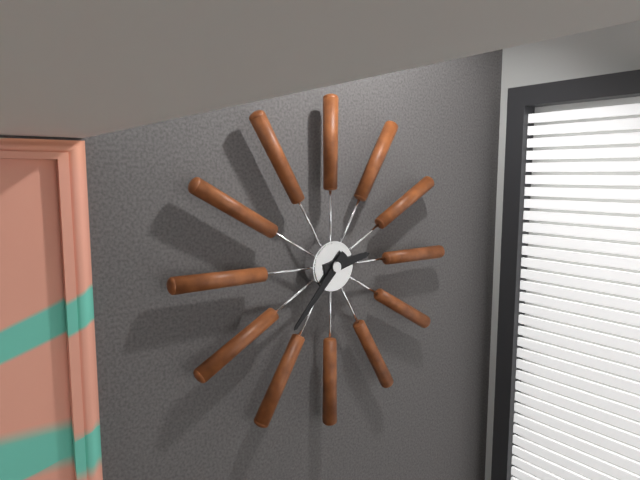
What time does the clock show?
2:37
